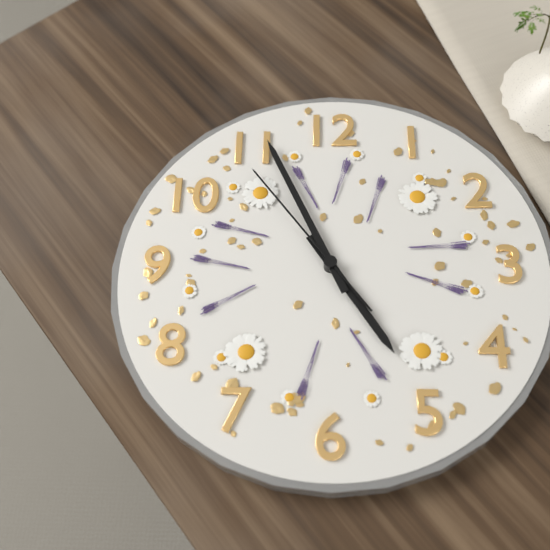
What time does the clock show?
4:56:54
